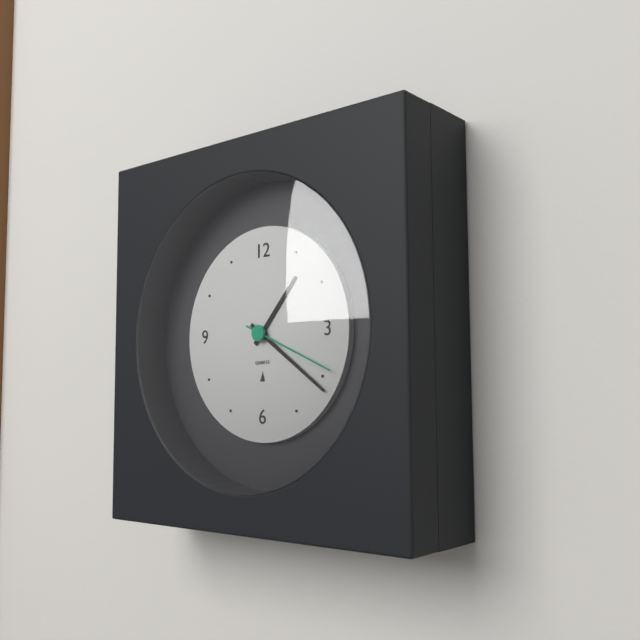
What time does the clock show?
1:21:19
